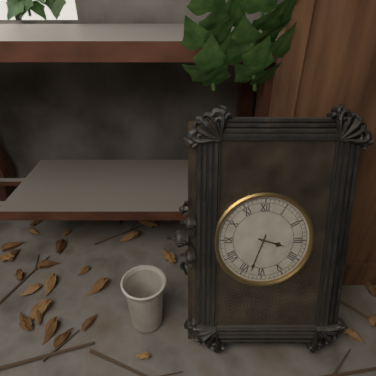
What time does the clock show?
3:33
